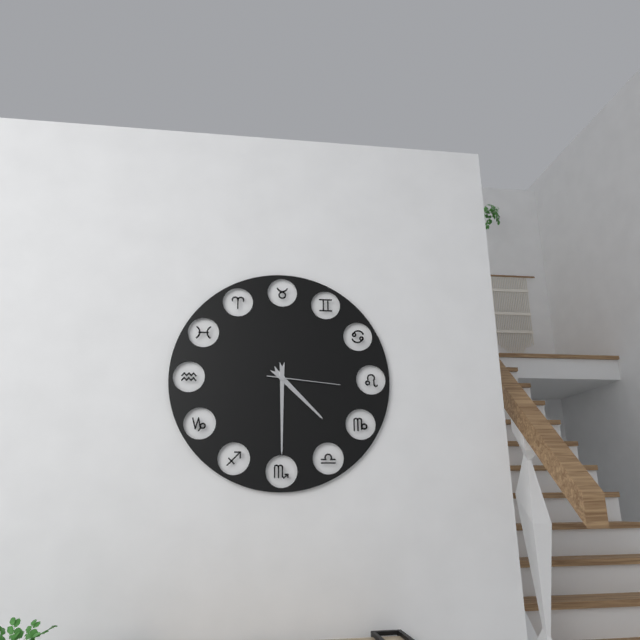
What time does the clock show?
4:30:16
